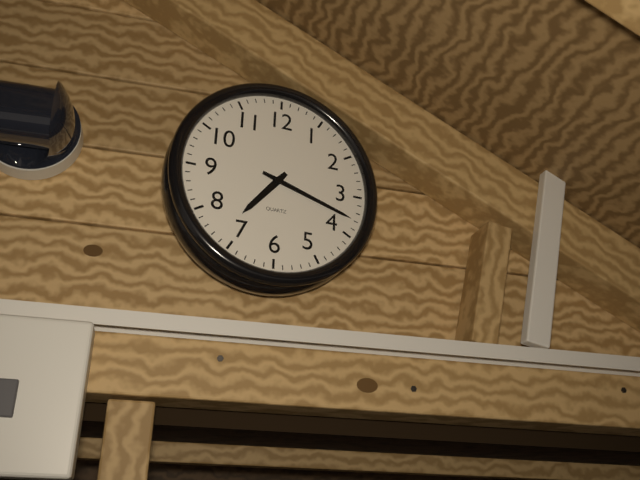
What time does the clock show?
7:18
